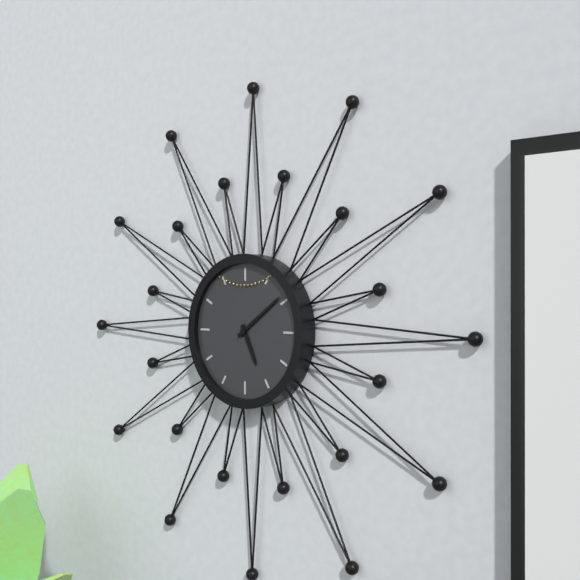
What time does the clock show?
5:09
